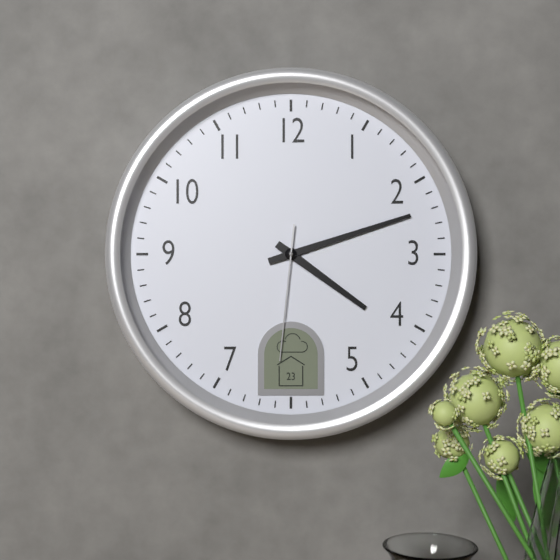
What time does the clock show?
4:12:31
